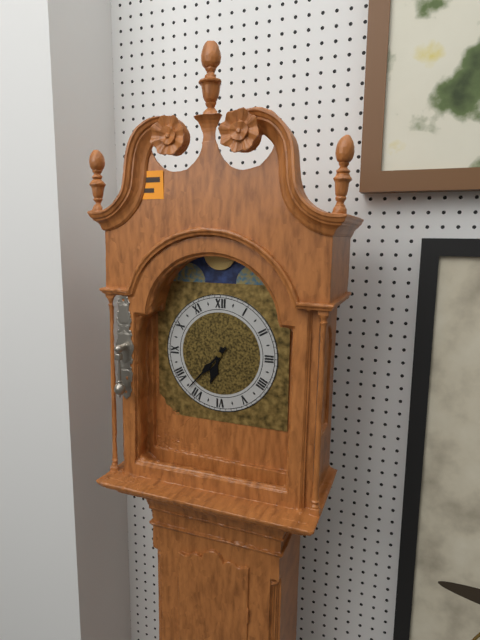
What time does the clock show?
6:37
